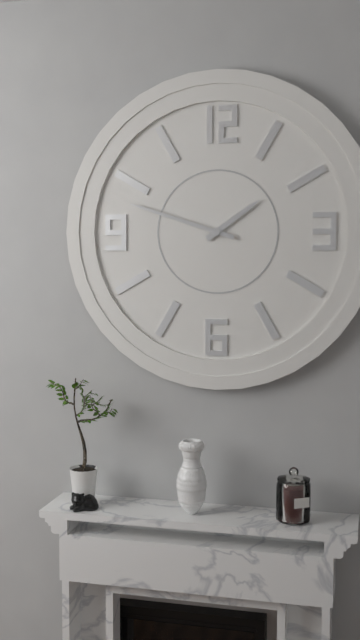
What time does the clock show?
1:48
